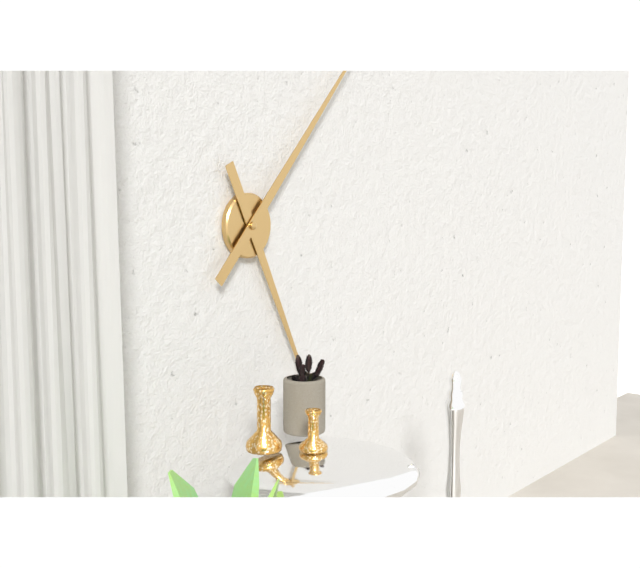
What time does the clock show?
5:07
